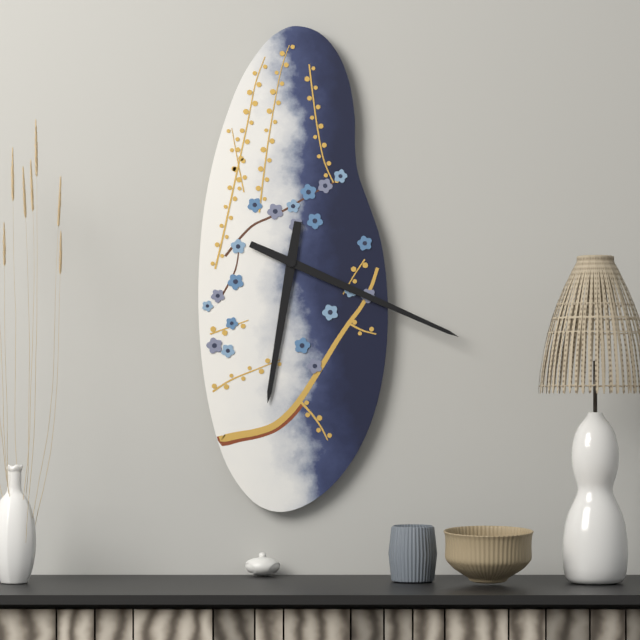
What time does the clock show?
6:19
